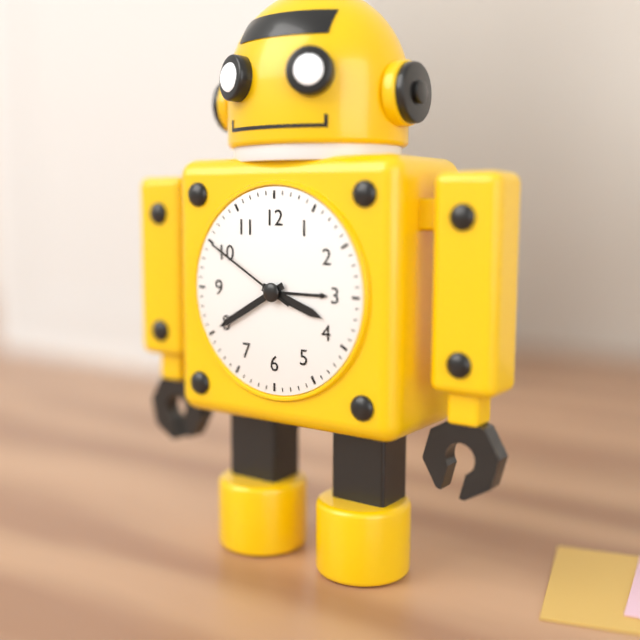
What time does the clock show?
3:40:50
